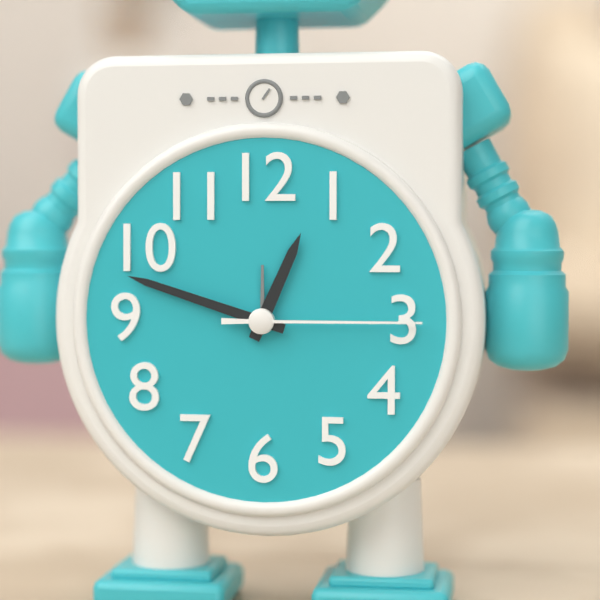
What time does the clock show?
12:48:15
